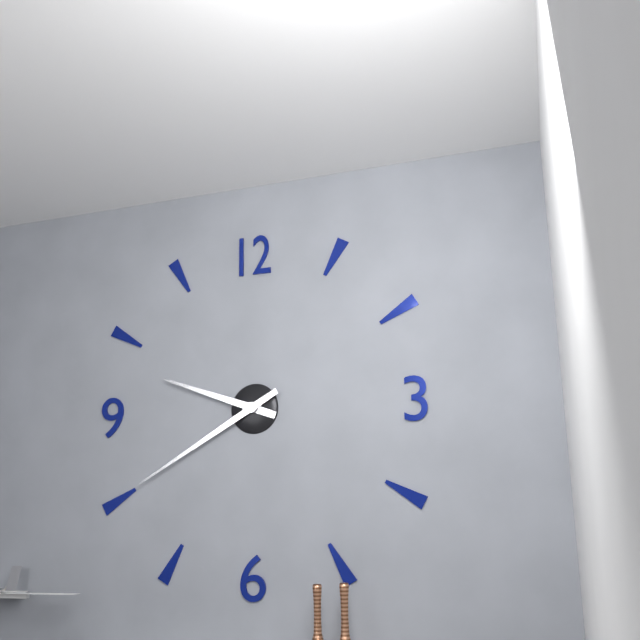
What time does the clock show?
9:40
